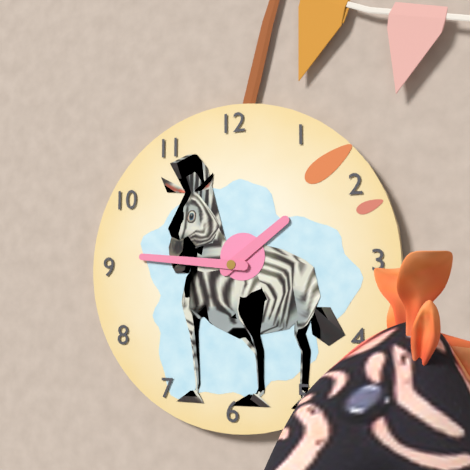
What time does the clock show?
1:46
